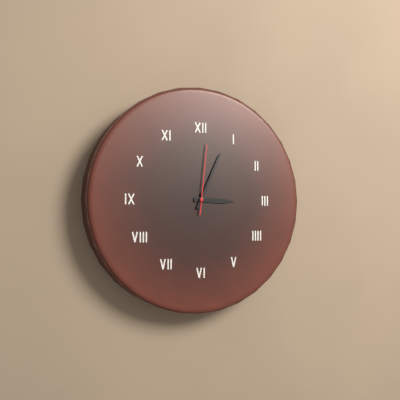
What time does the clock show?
3:04:01
